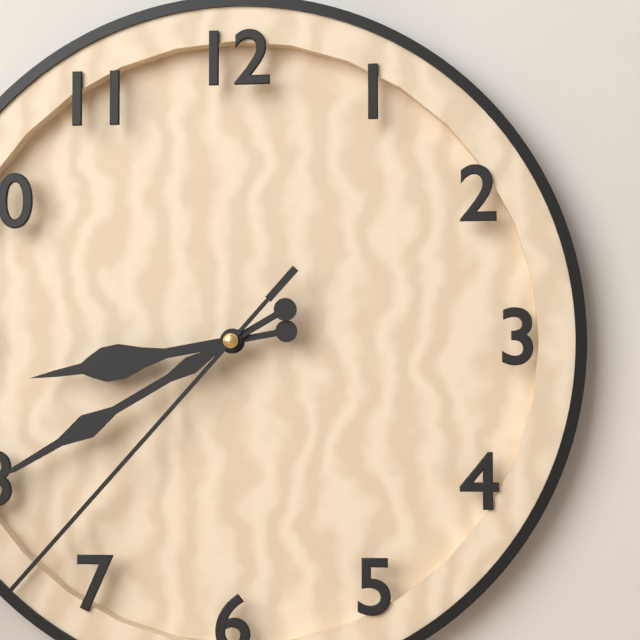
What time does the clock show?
8:40:37
